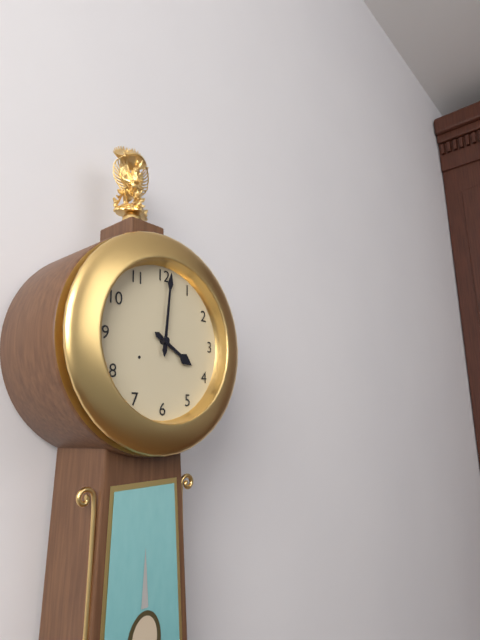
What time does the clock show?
4:01
